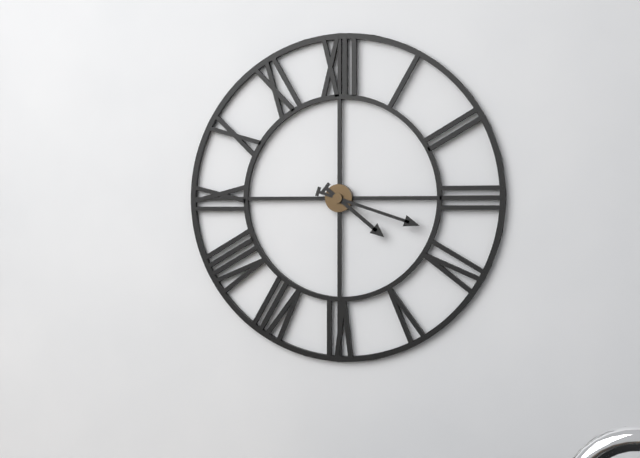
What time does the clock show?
4:18
